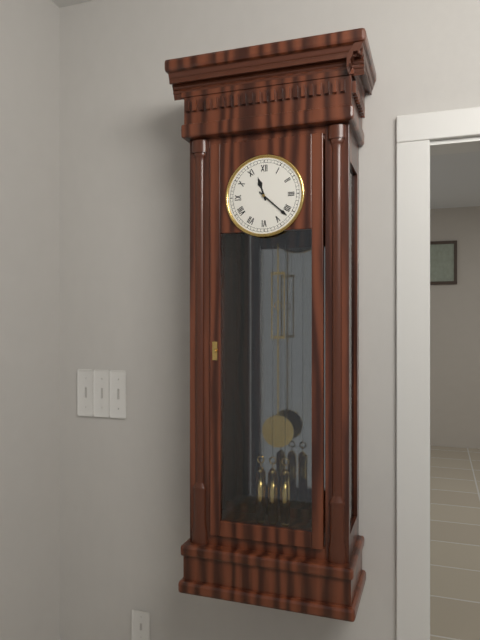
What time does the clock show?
11:22
